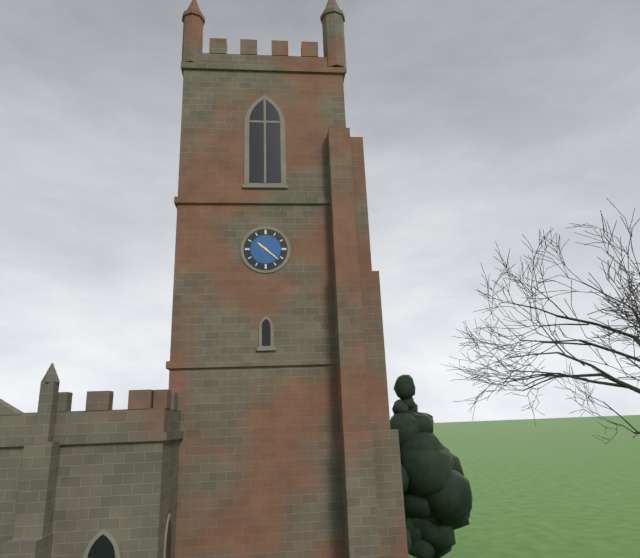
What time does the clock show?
10:22
